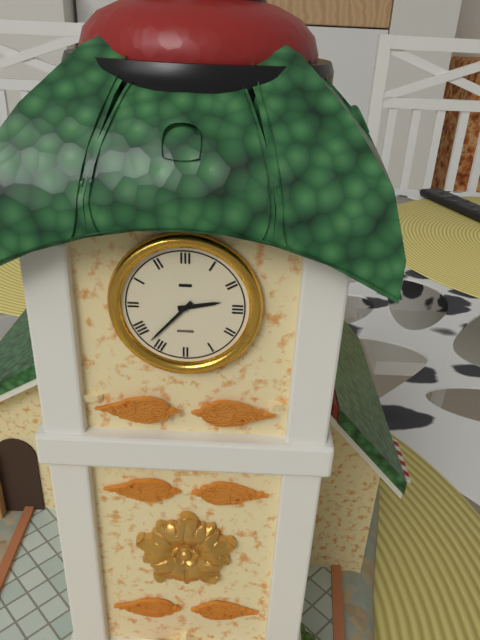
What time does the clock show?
2:37
